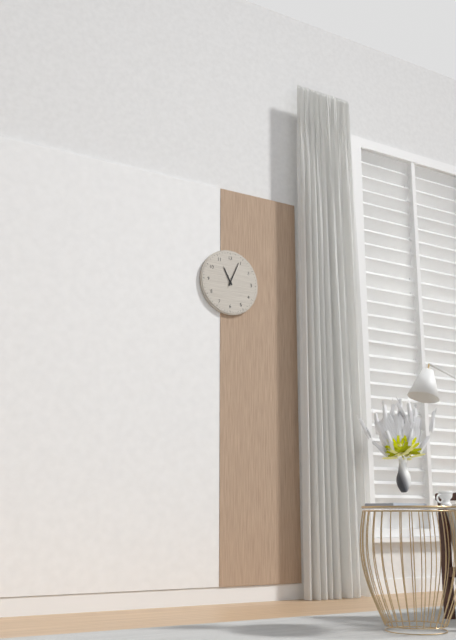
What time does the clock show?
11:04
